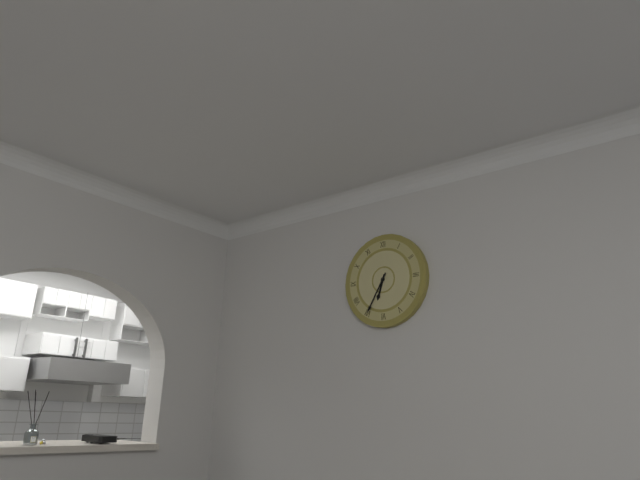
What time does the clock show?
6:35
